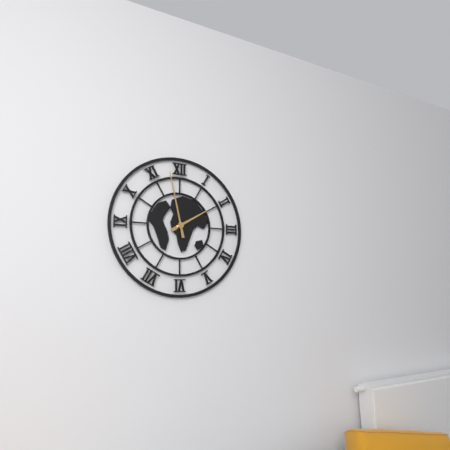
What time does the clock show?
1:58
